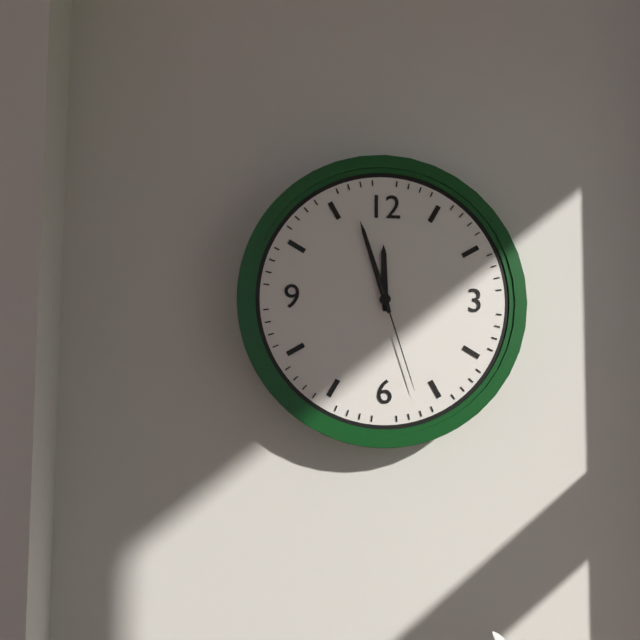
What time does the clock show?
11:57:27
